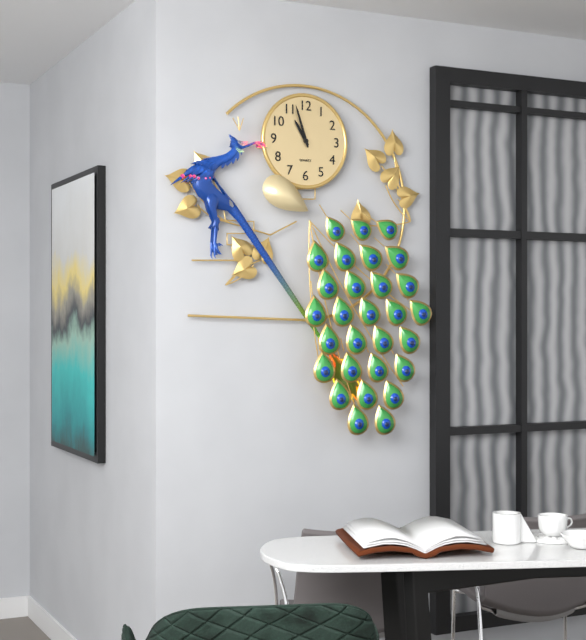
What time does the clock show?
10:57
